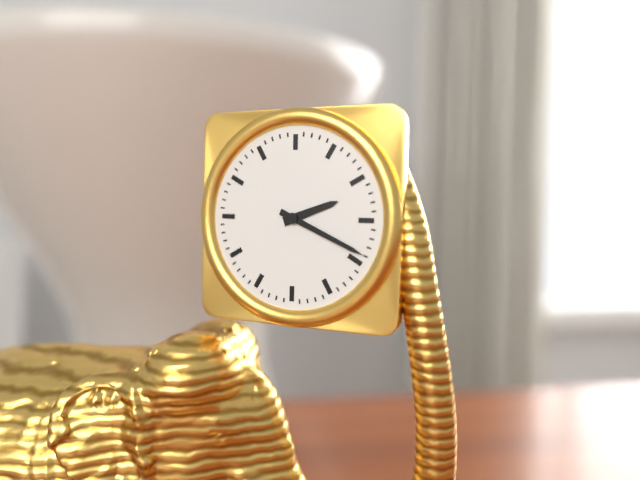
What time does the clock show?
2:19
